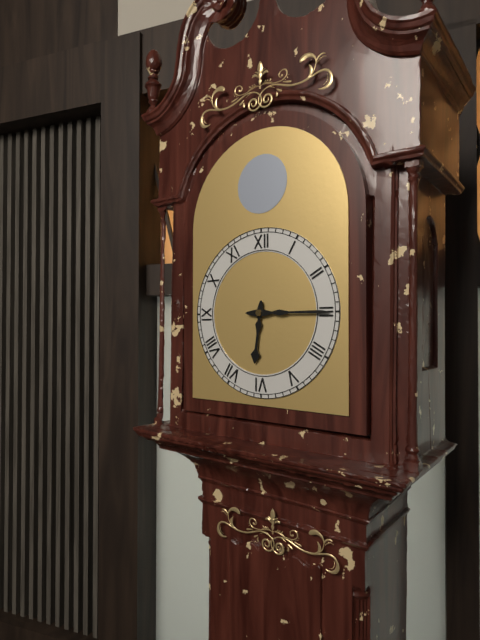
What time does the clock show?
6:15
